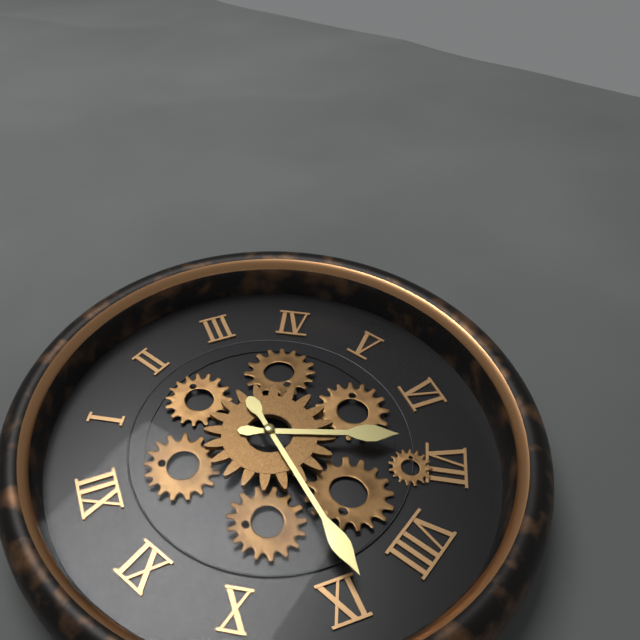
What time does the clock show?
6:44
